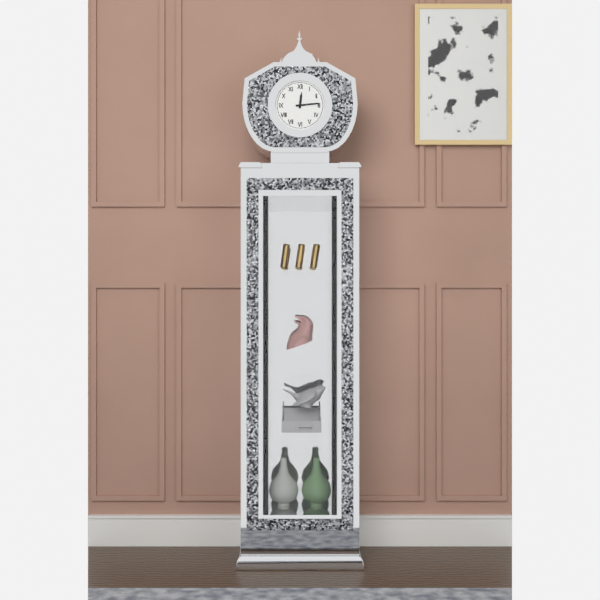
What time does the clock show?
12:14
